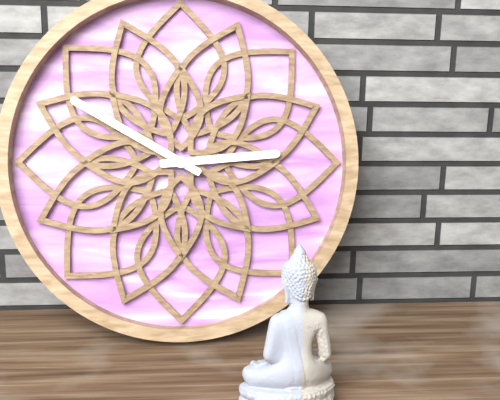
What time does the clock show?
2:50
